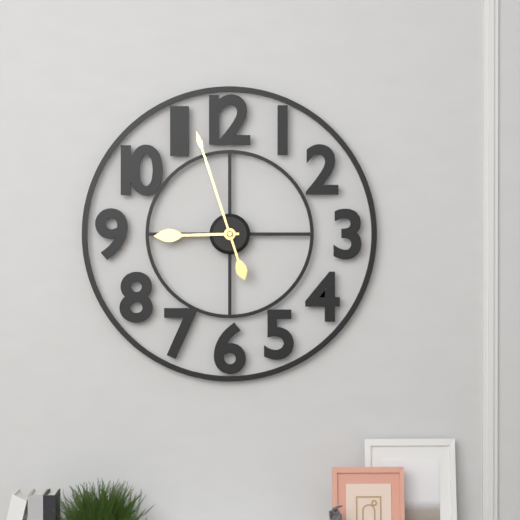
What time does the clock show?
8:57
